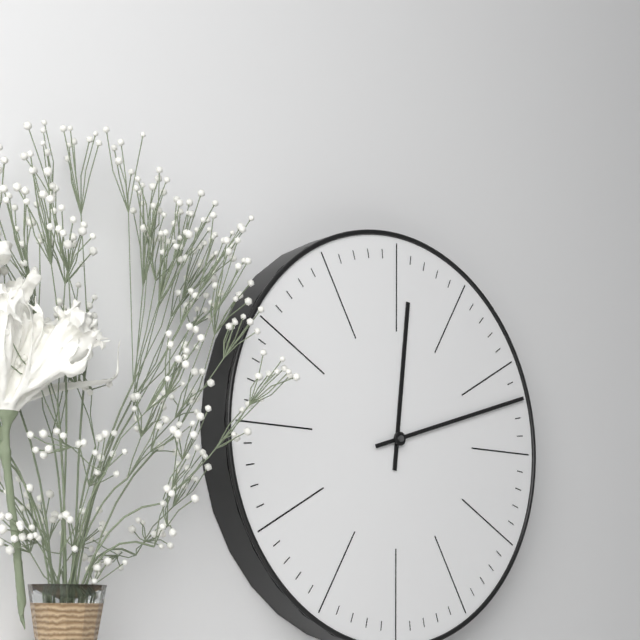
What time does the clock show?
12:12
